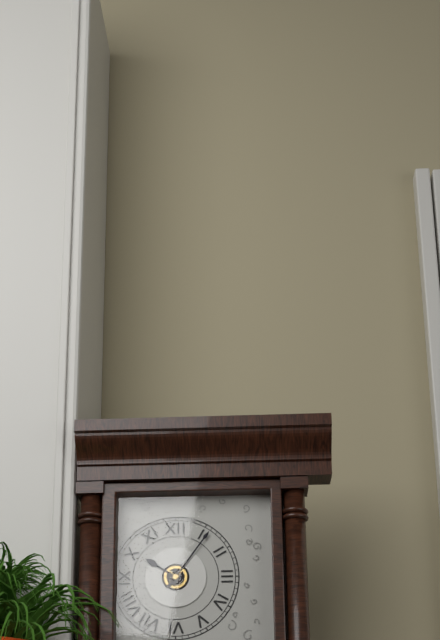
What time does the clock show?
10:06
